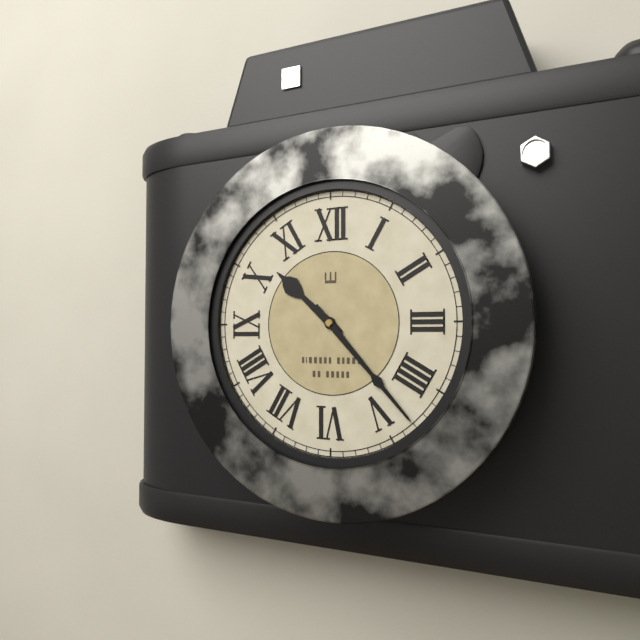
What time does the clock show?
10:23
